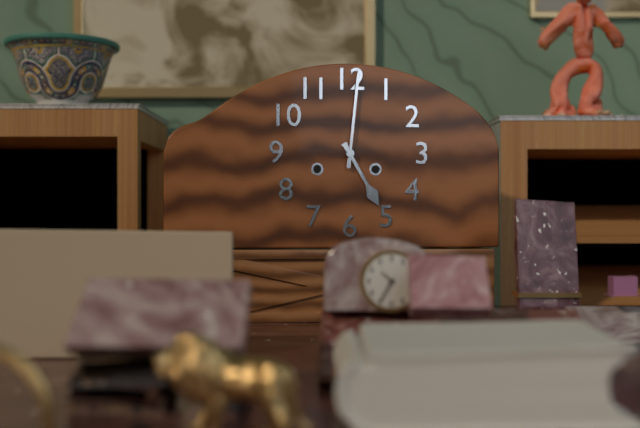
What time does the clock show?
5:01
